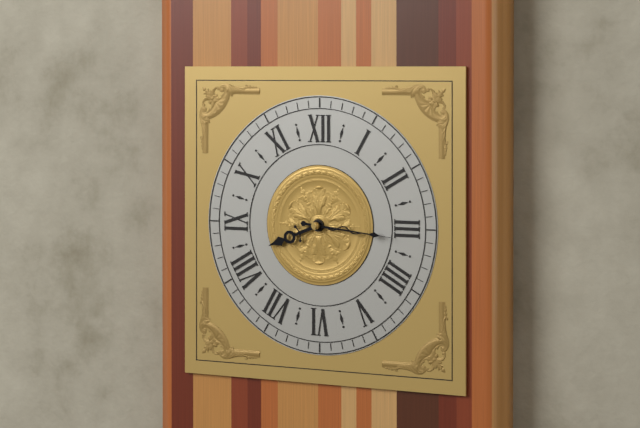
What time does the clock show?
8:16
